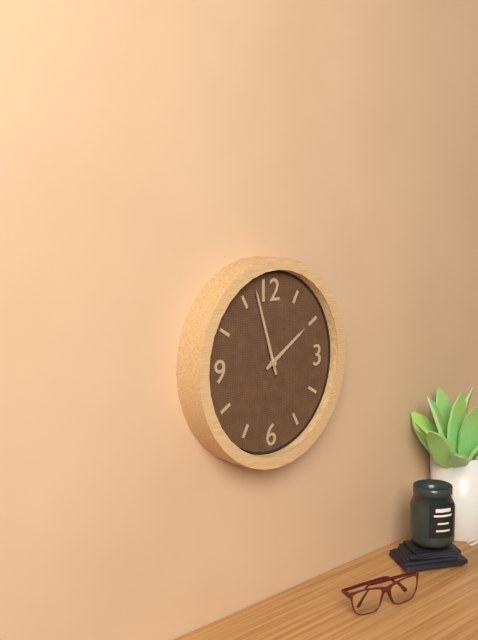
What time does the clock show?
1:57
